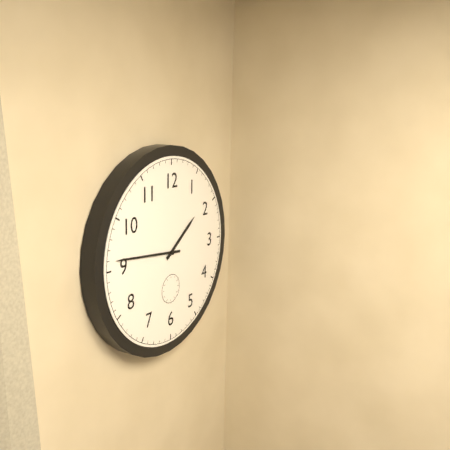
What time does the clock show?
1:46
